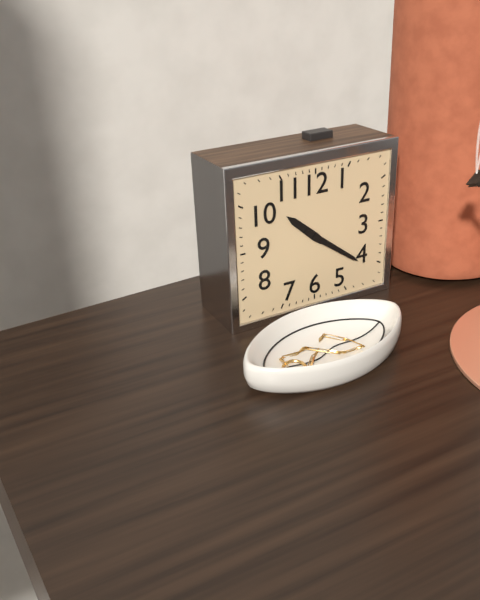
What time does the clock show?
10:21
